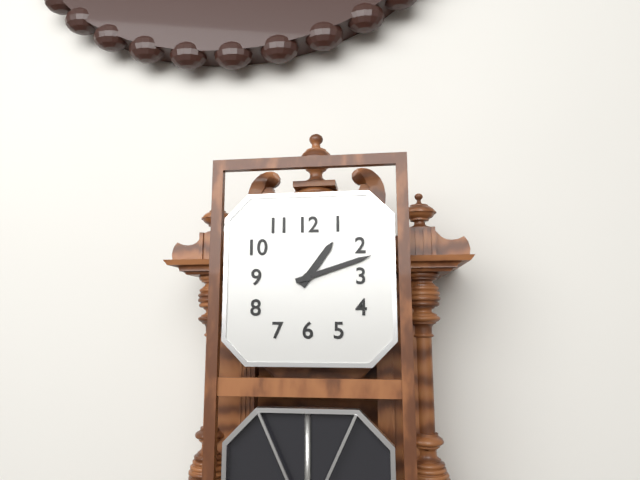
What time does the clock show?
1:12
